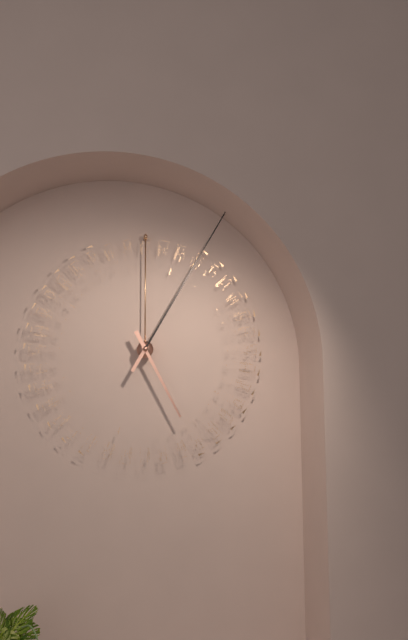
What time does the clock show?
5:05
